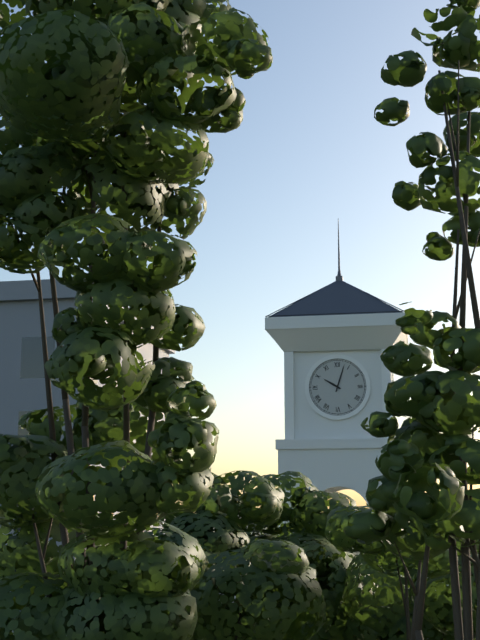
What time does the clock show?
10:03
